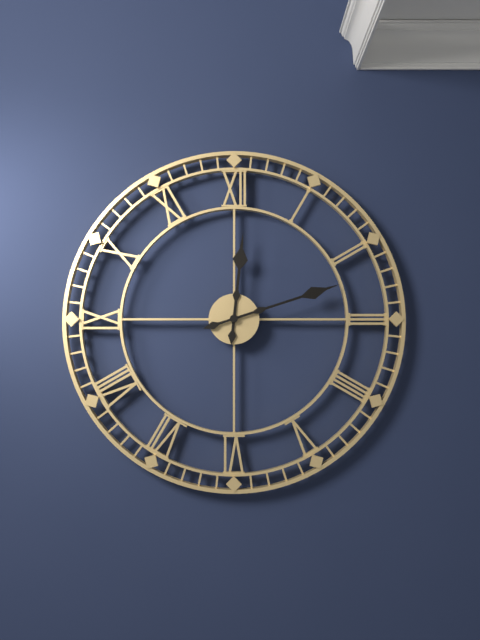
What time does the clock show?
12:12
